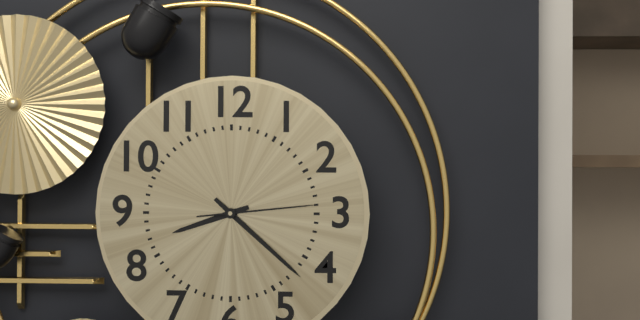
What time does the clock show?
8:22:14
